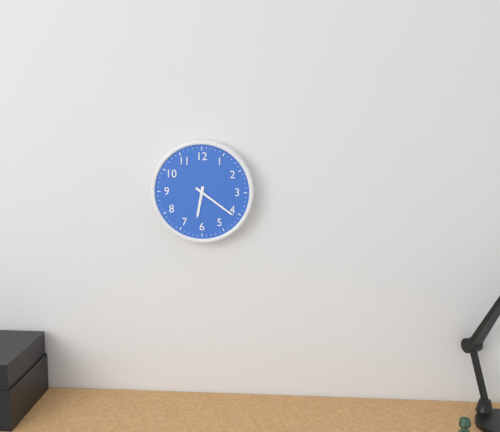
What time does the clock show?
6:21
